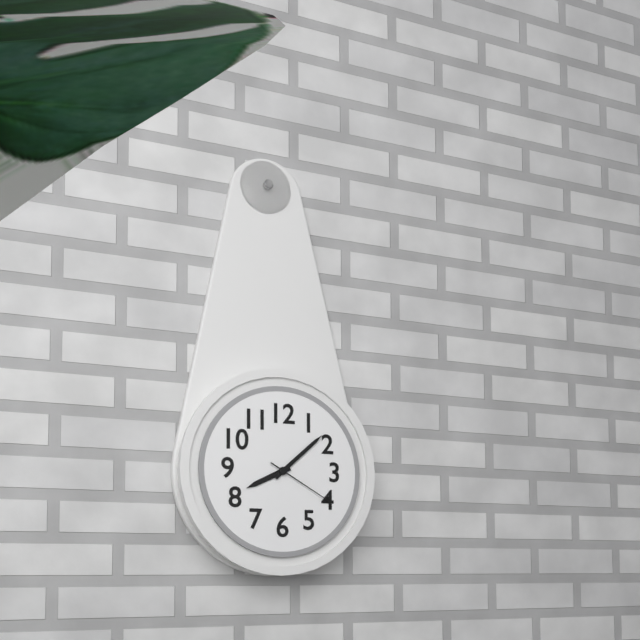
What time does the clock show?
8:08:20
